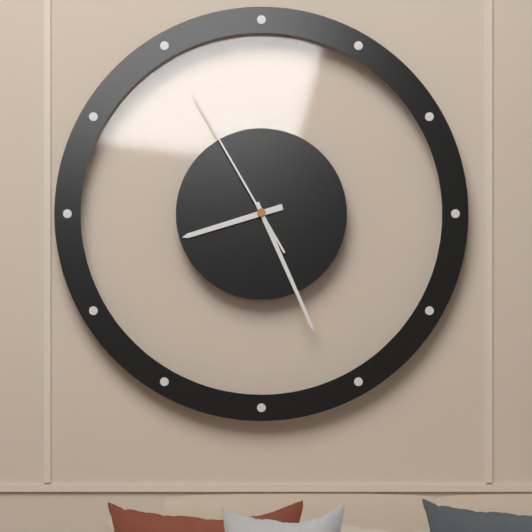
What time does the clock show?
8:26:55
